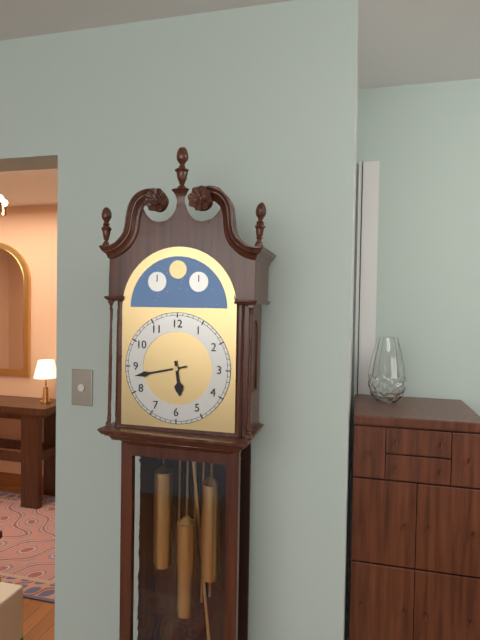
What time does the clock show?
5:43
